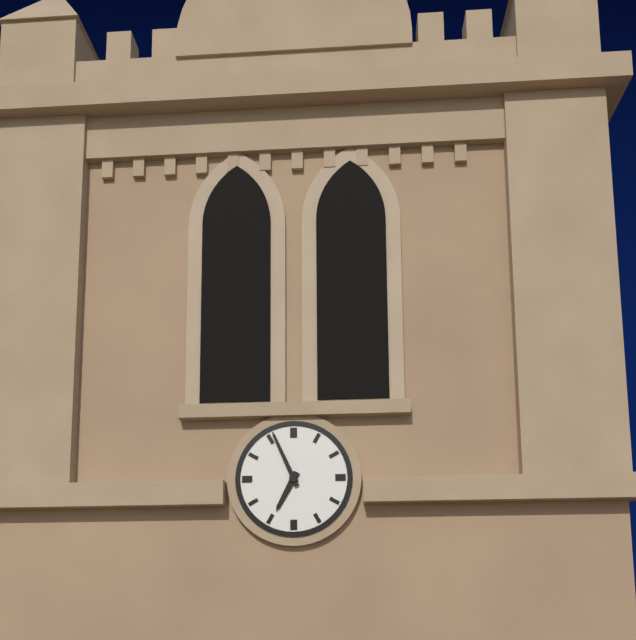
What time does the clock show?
6:56
